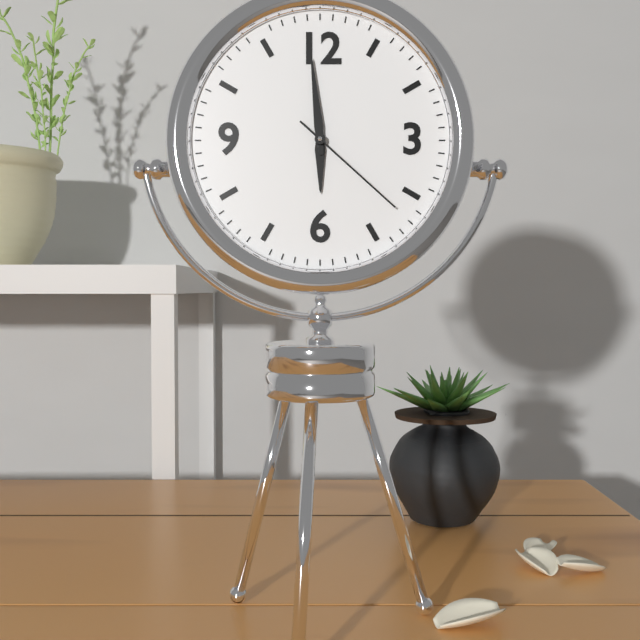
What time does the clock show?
5:59:22
